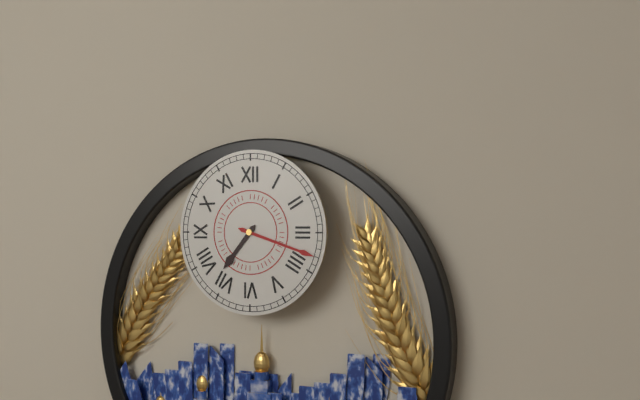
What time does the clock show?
7:18
